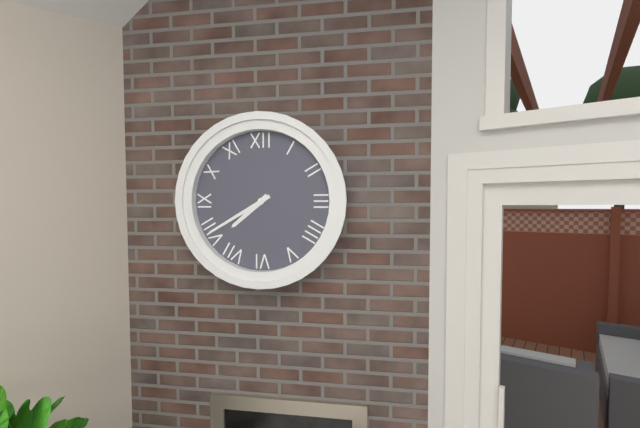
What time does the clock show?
7:40
